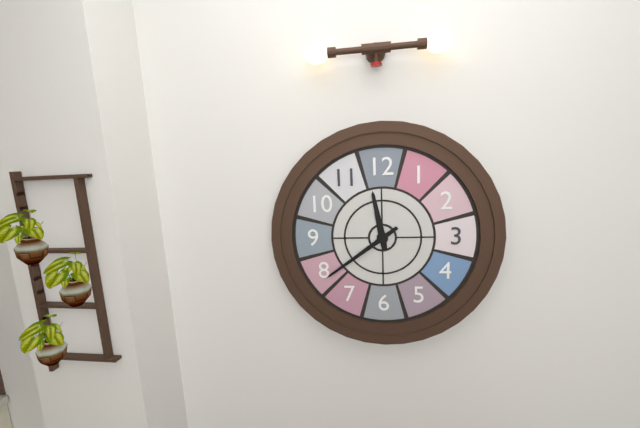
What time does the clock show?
11:39
